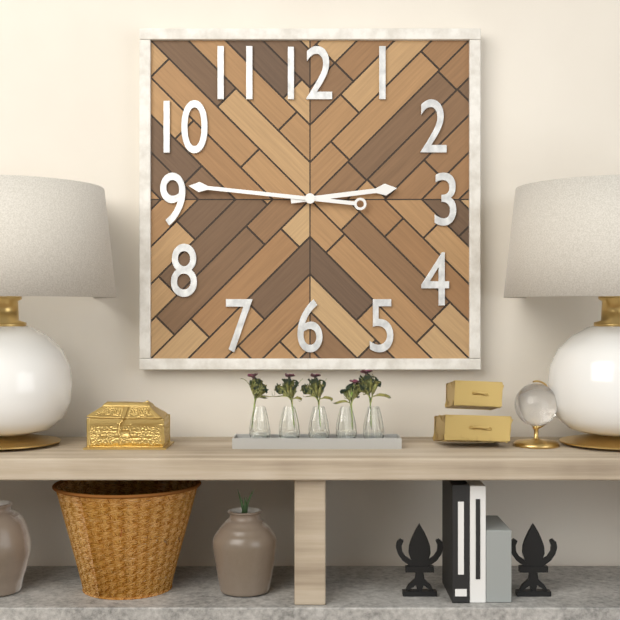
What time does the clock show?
2:46
